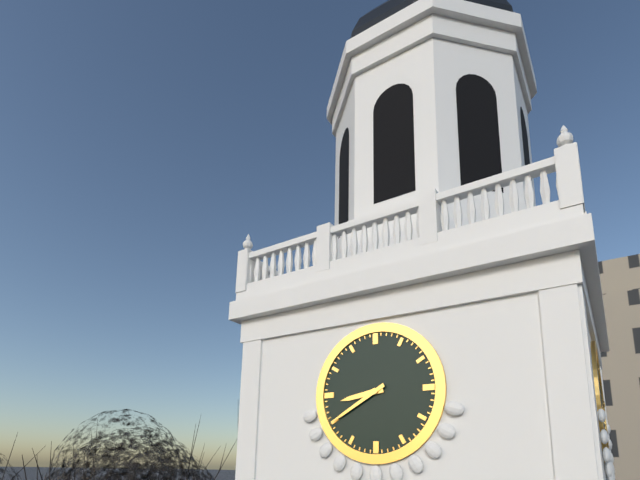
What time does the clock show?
8:40
